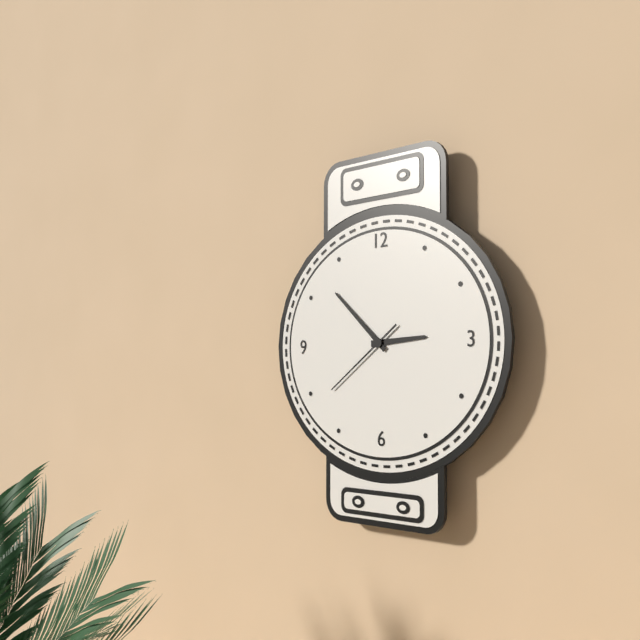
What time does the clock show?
2:52:39
